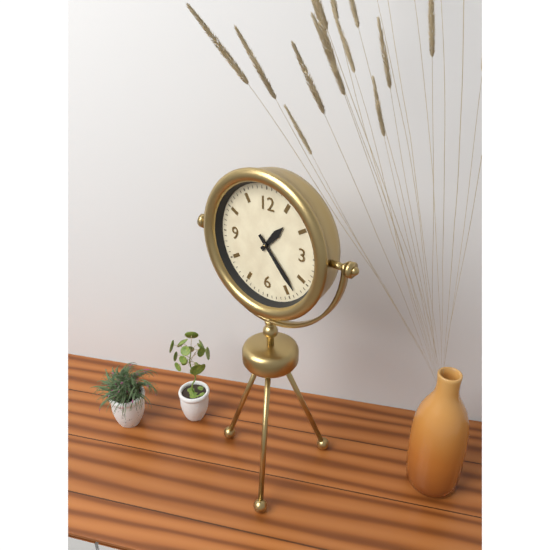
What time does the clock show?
1:23
